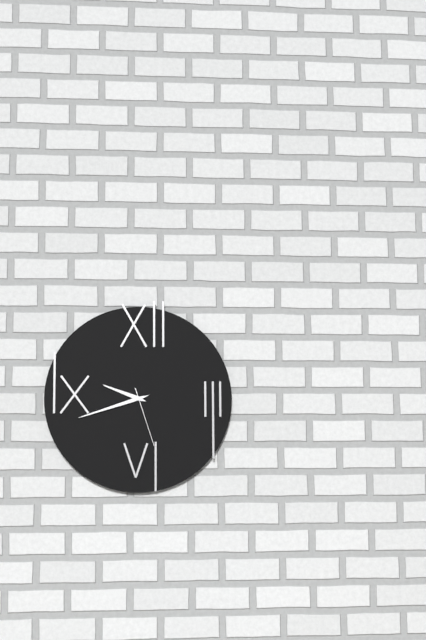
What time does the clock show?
9:42:27
